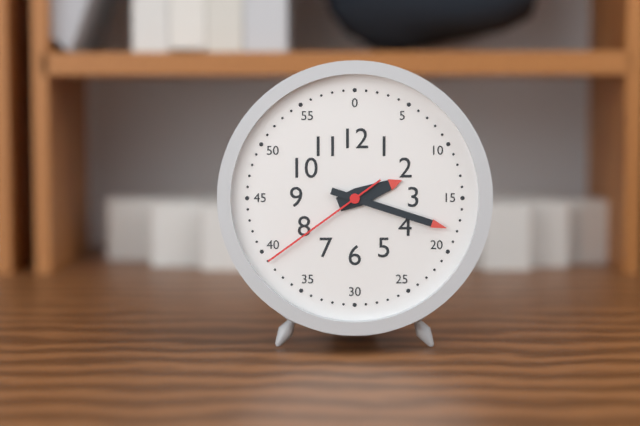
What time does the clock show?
2:18:39
